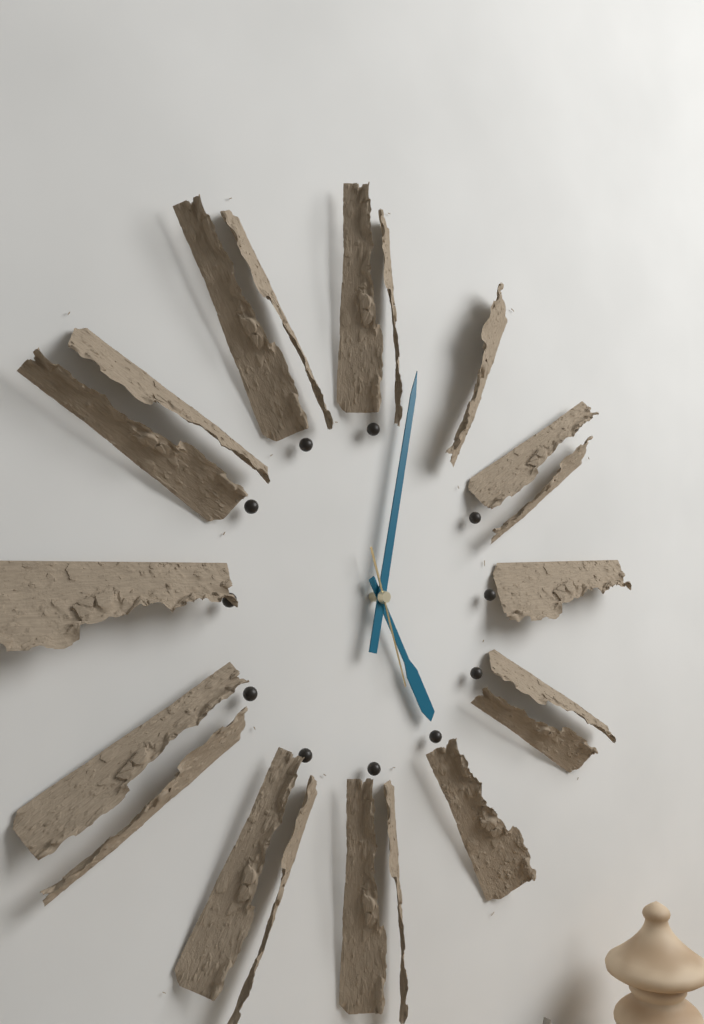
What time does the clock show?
5:02:27
